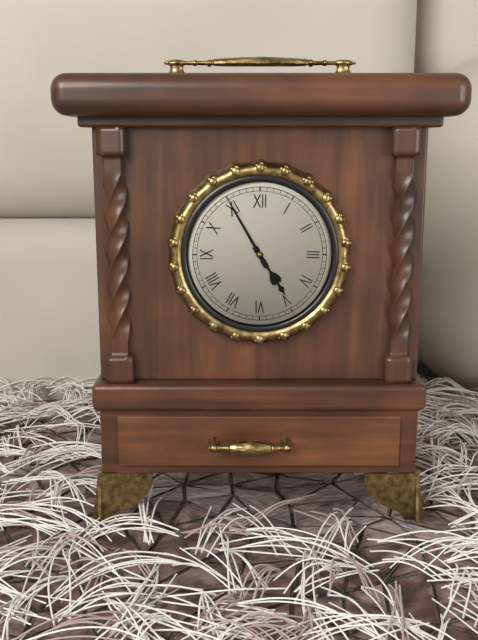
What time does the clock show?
4:55
